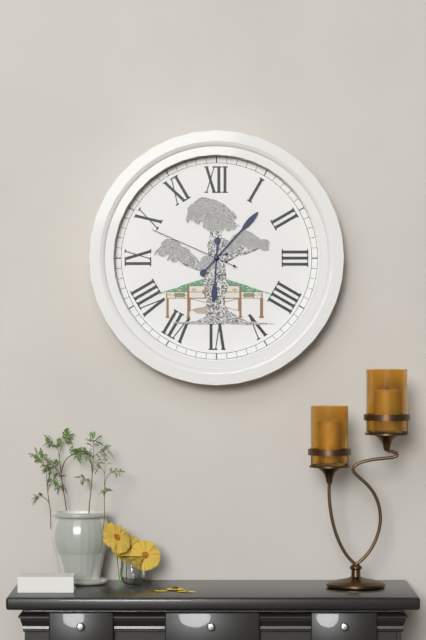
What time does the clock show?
6:07:49
